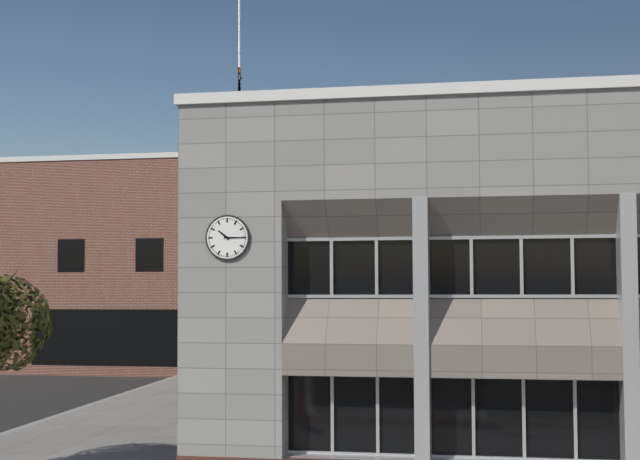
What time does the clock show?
10:15
